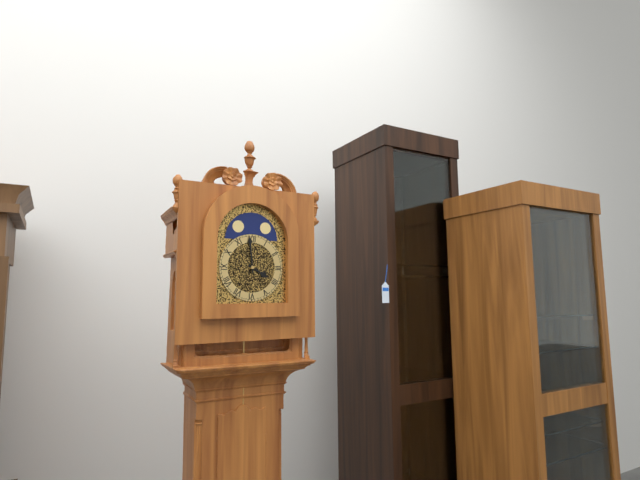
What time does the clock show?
3:59
